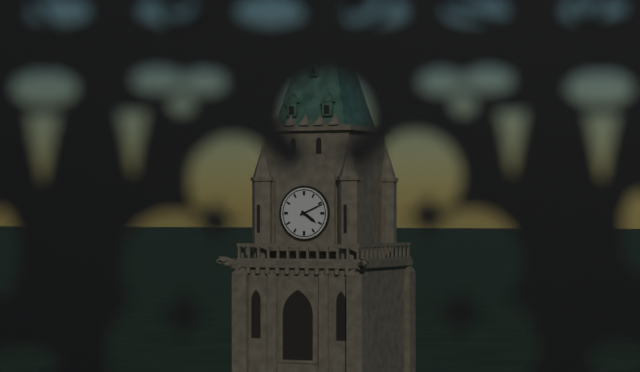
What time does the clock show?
4:11
